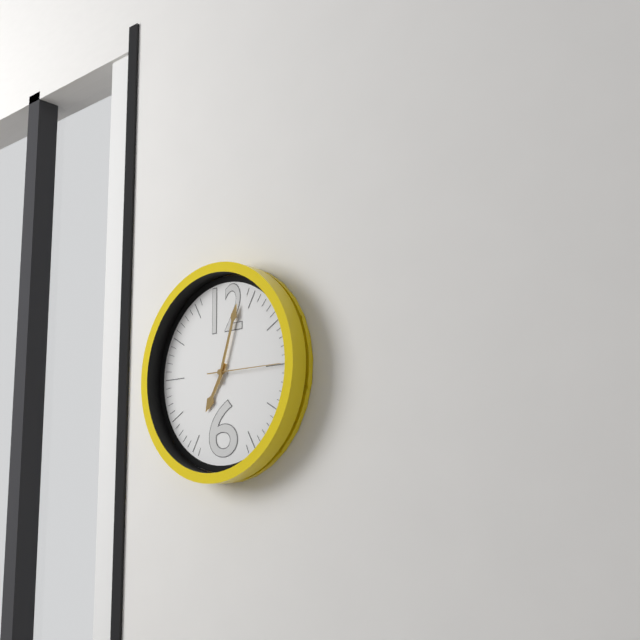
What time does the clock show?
7:03:15
